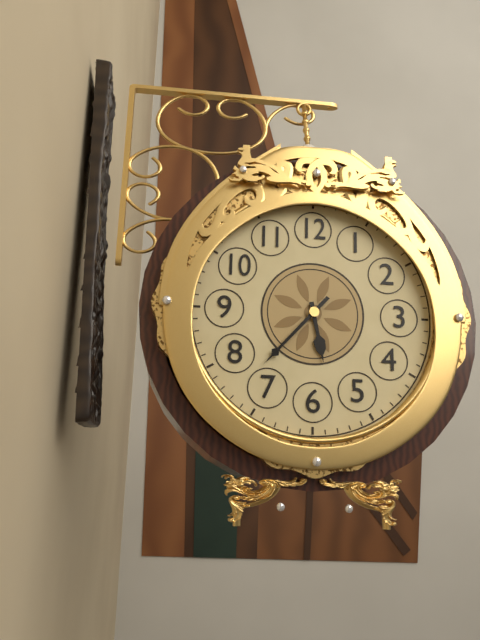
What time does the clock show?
5:37
